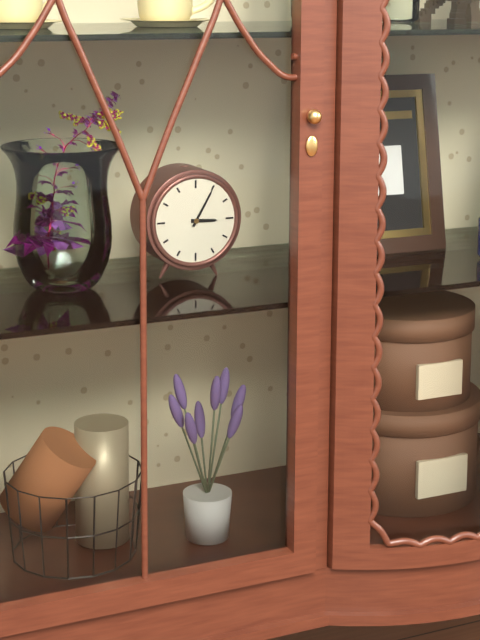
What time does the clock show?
3:05
